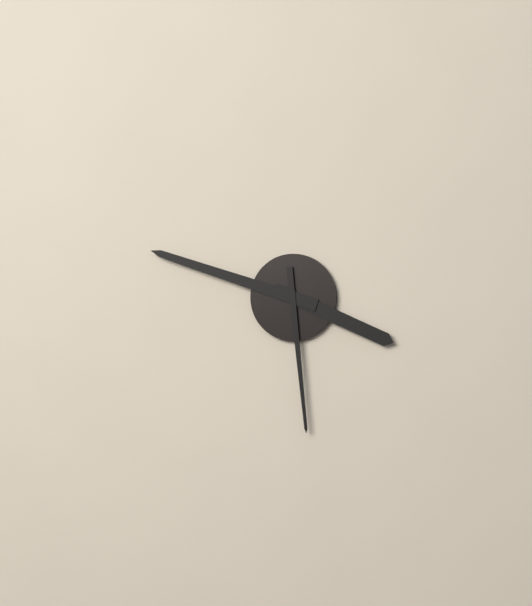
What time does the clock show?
3:48:29
